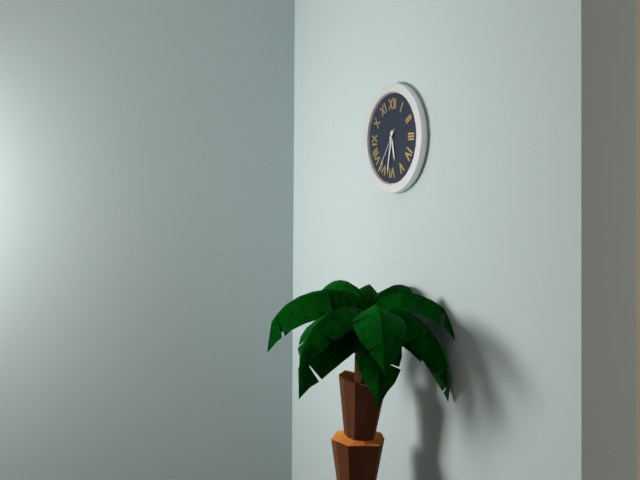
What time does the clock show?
5:32
